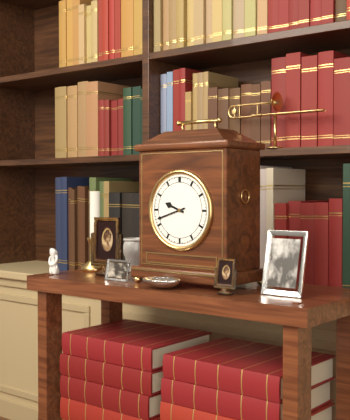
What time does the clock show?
9:42
